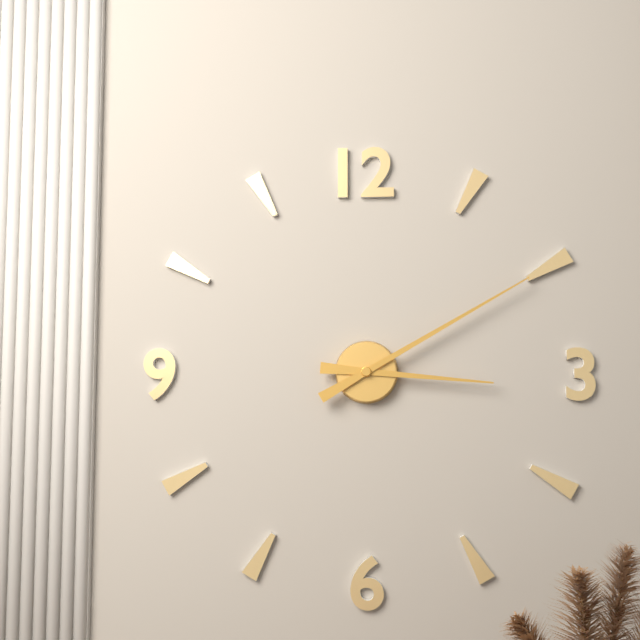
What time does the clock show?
3:10
